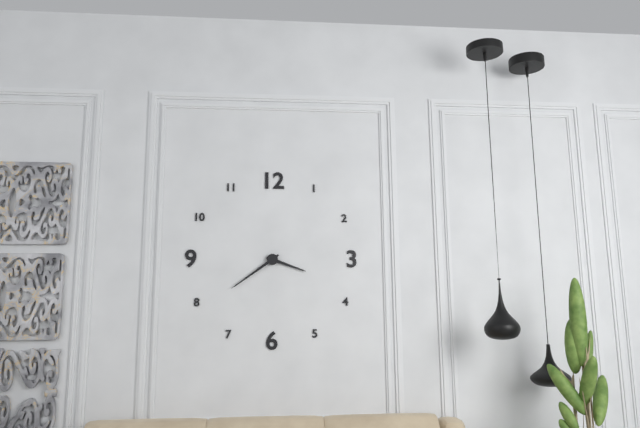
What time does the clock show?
3:39
